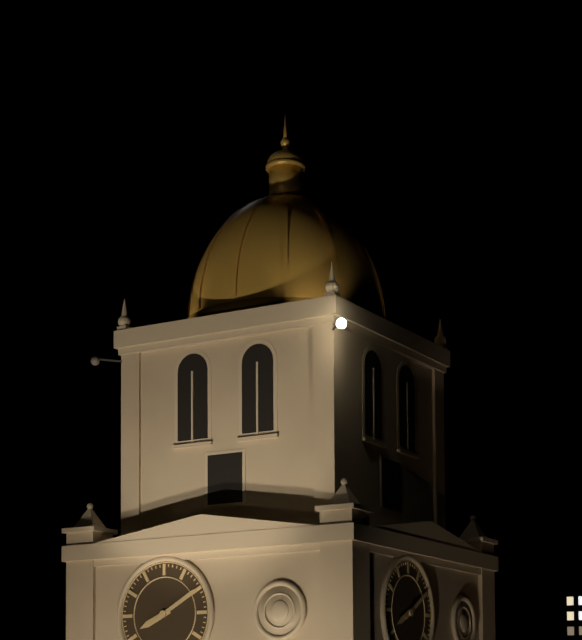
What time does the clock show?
8:10
